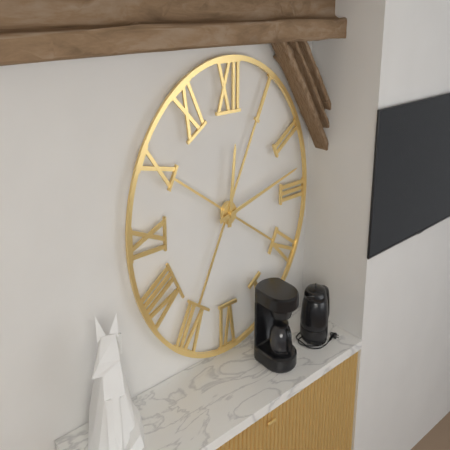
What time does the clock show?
12:13
